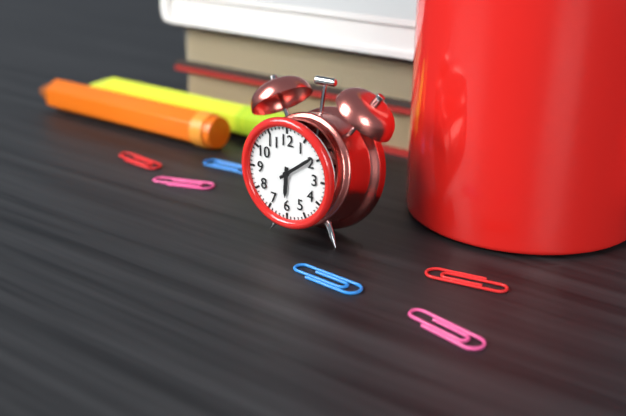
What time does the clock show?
6:09
